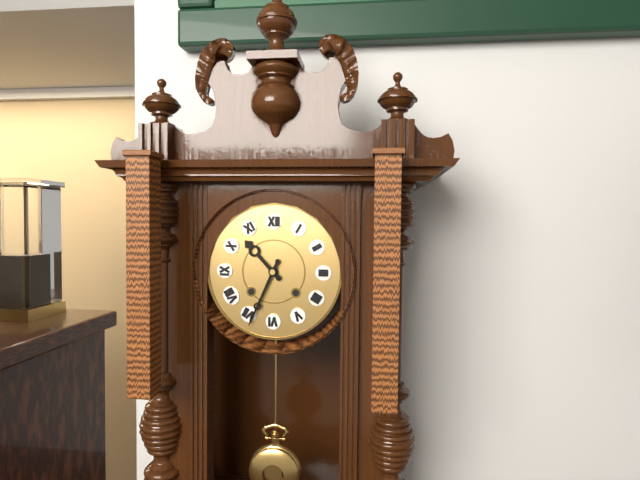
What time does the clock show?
10:34
